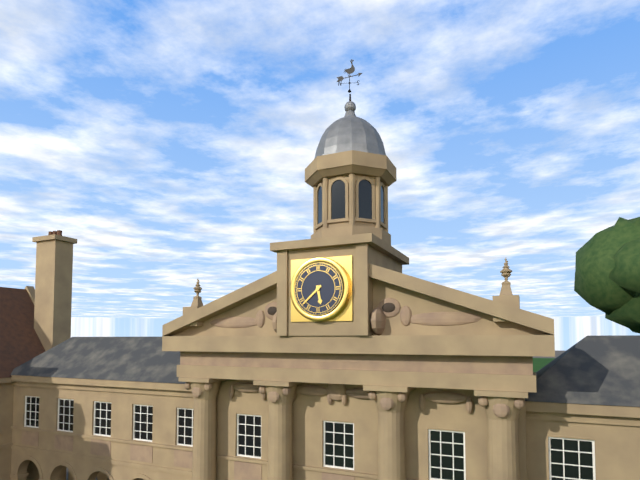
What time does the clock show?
5:38
